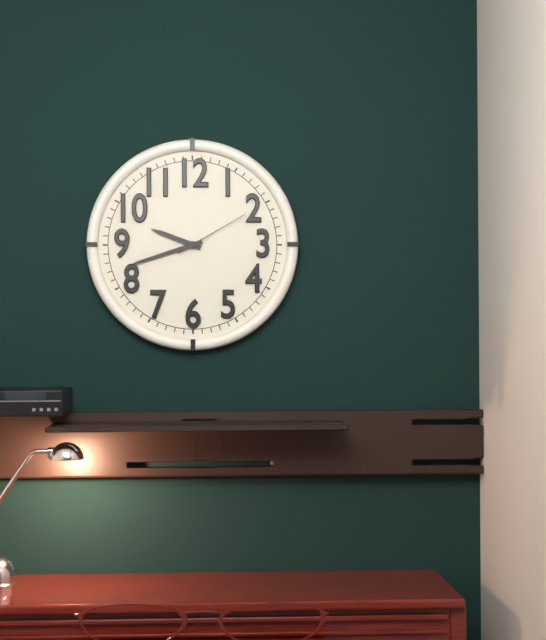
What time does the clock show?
9:42:10
